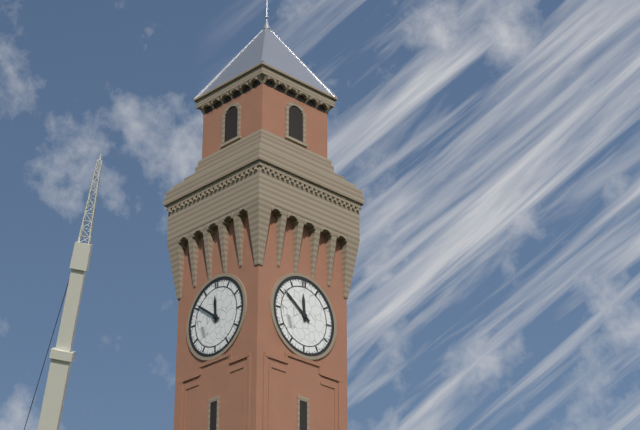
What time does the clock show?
11:51
